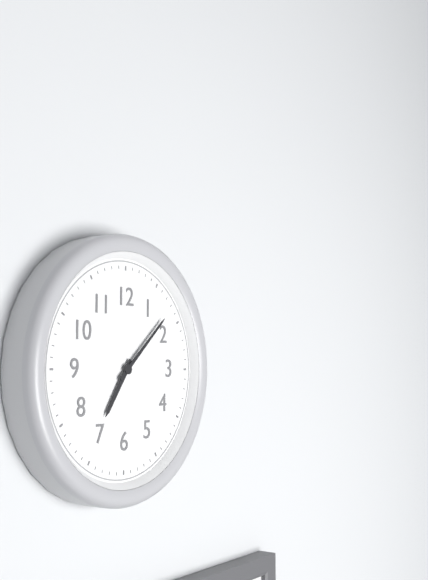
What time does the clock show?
7:08
